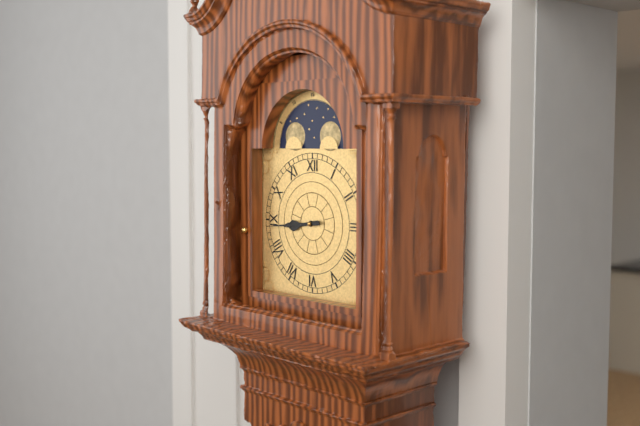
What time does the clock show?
8:44
